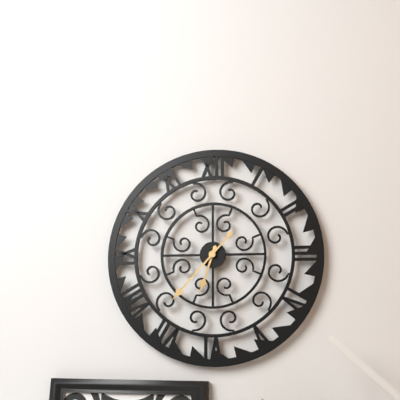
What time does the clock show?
6:37
